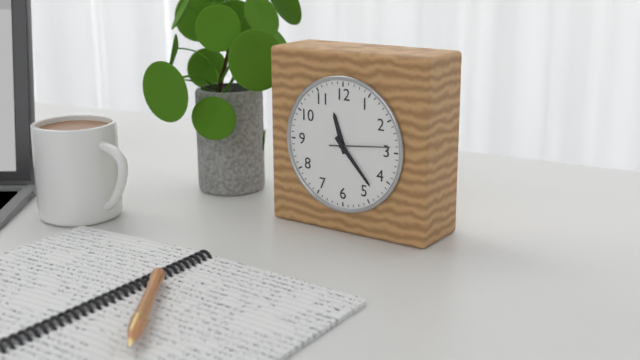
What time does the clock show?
11:23:14
